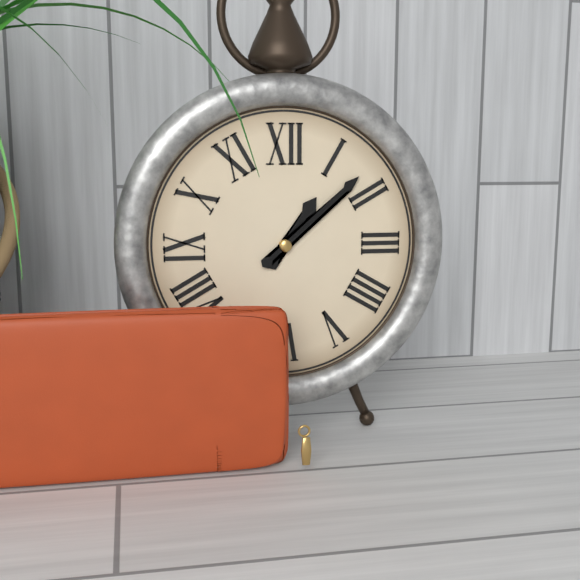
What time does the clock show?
1:08
